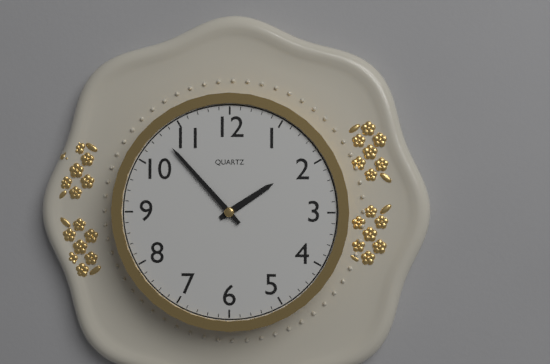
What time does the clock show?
1:53
